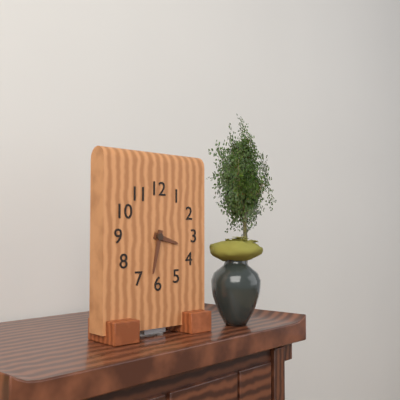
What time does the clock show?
3:32
